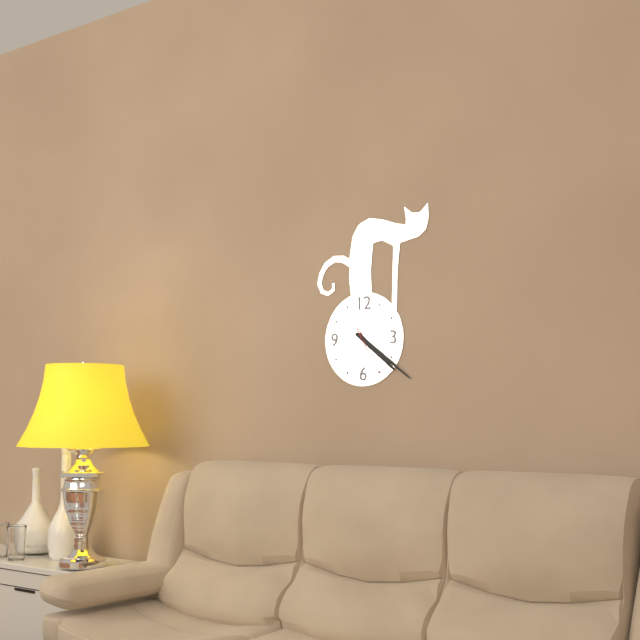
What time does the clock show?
4:21:25
